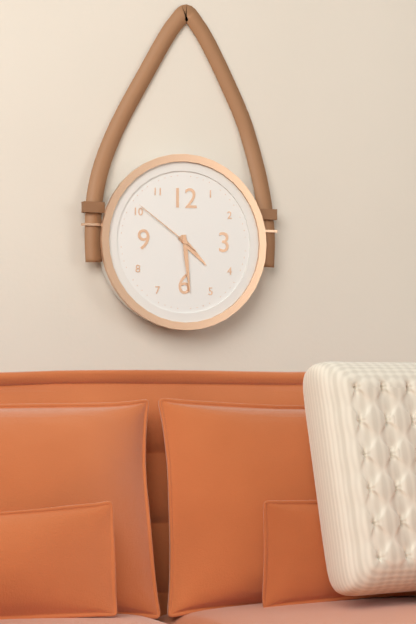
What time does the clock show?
4:29:51
